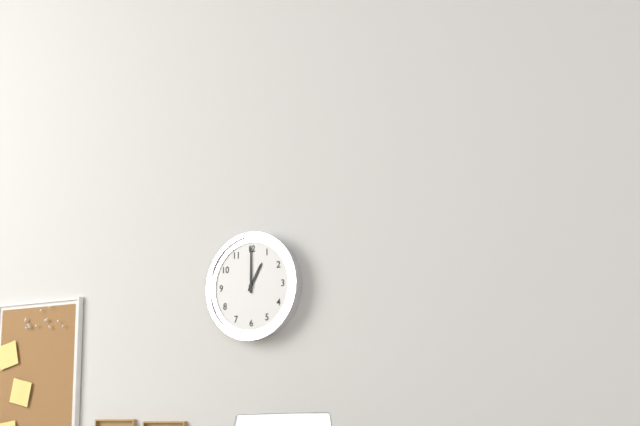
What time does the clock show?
1:00
